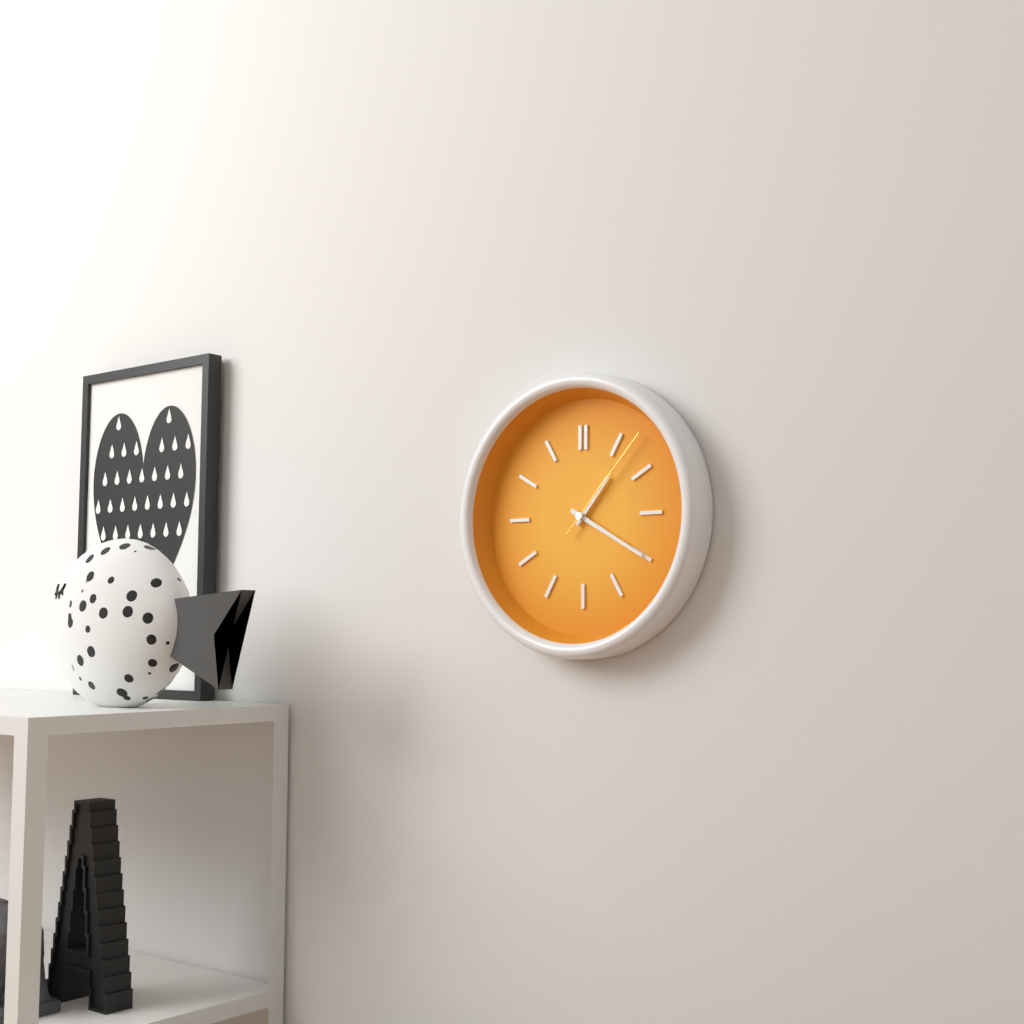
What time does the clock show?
1:20:07
